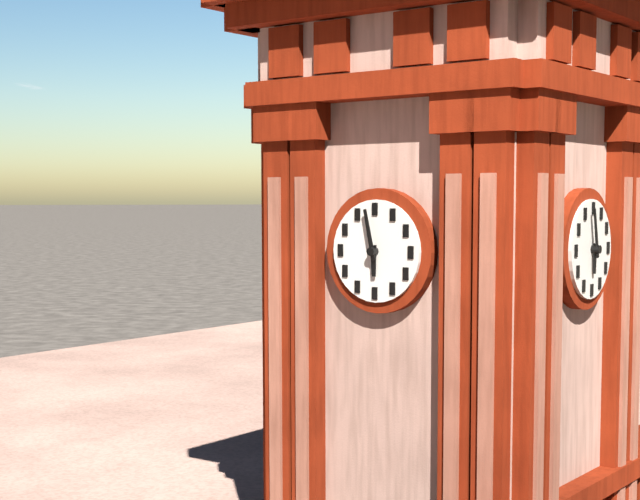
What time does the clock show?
5:58
